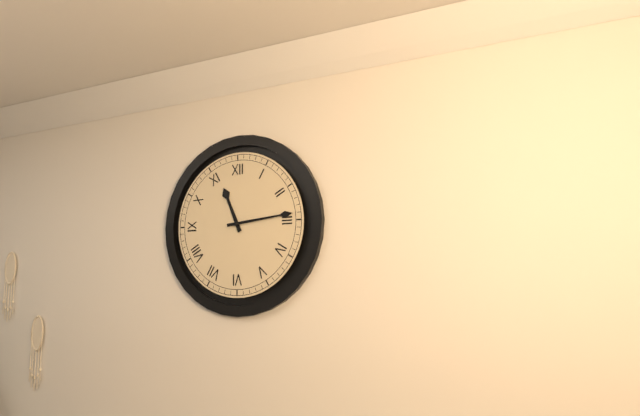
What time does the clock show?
11:14
